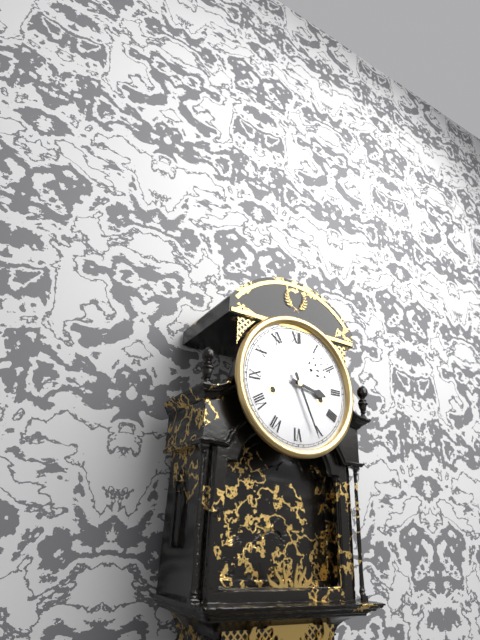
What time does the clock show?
3:26
